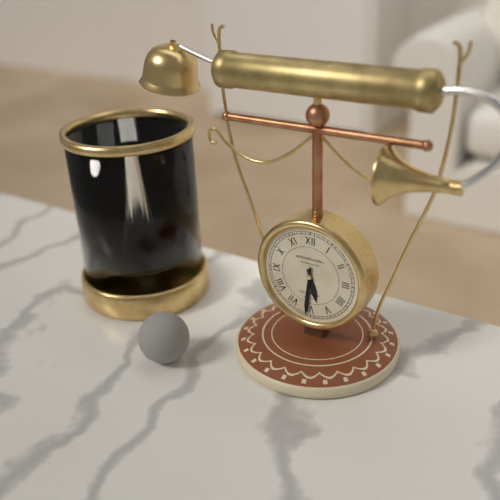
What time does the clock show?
5:31
